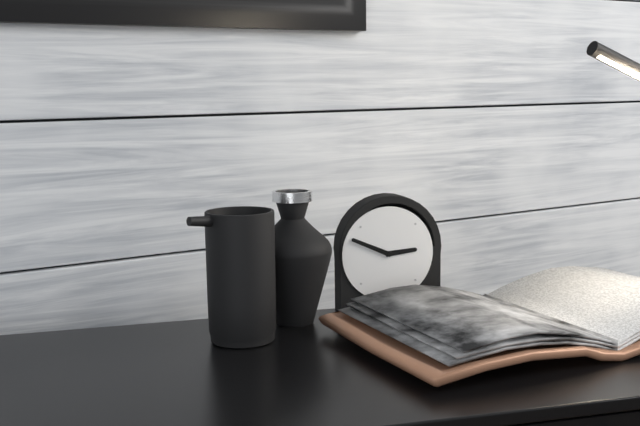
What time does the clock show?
2:49
